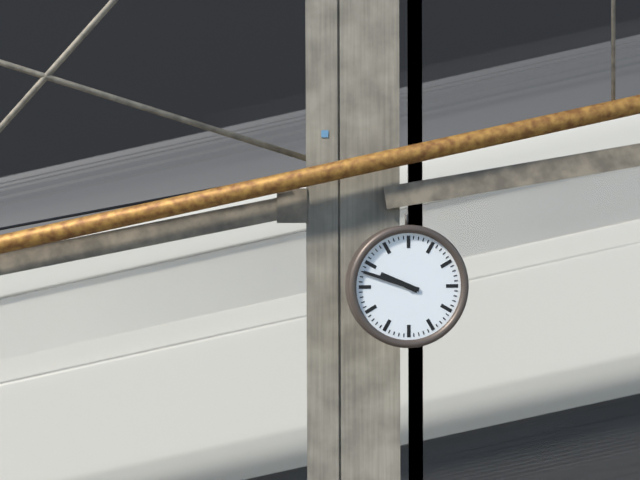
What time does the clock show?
9:48
